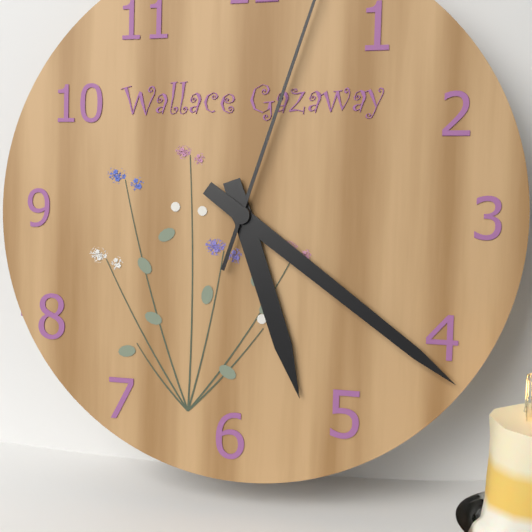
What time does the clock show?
5:21
